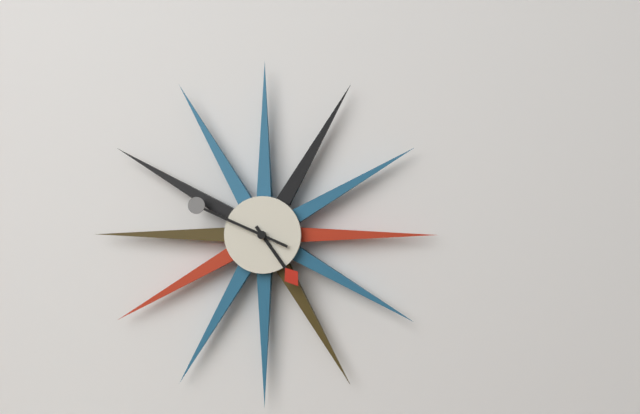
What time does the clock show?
4:49
